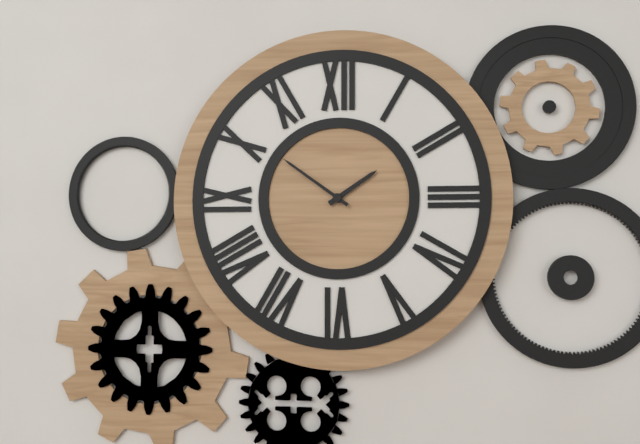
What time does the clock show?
1:51
